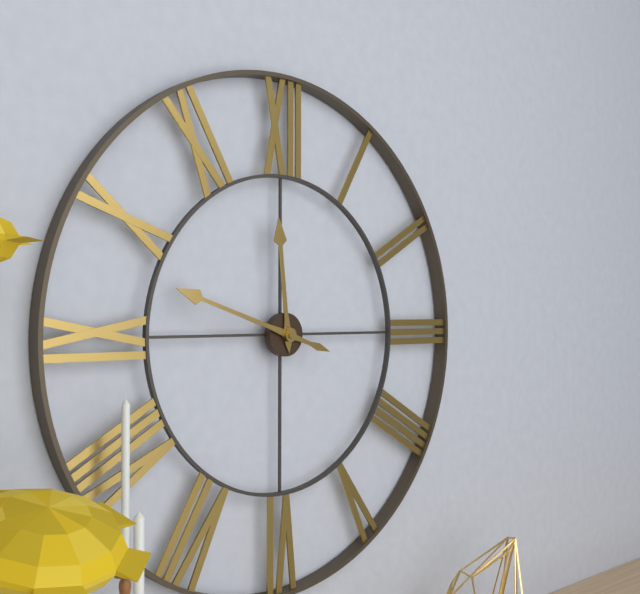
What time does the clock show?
11:48
